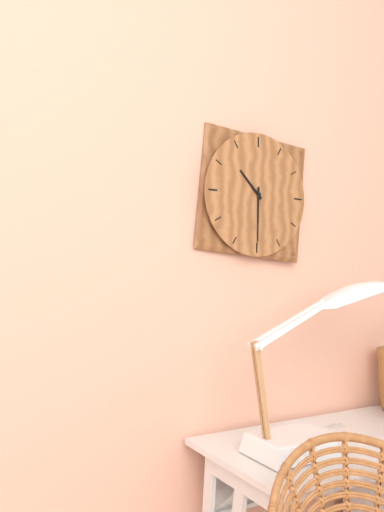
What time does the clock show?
10:30
